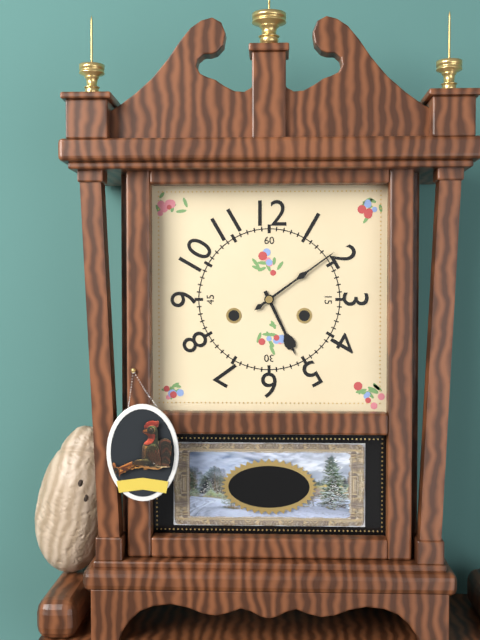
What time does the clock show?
5:09
